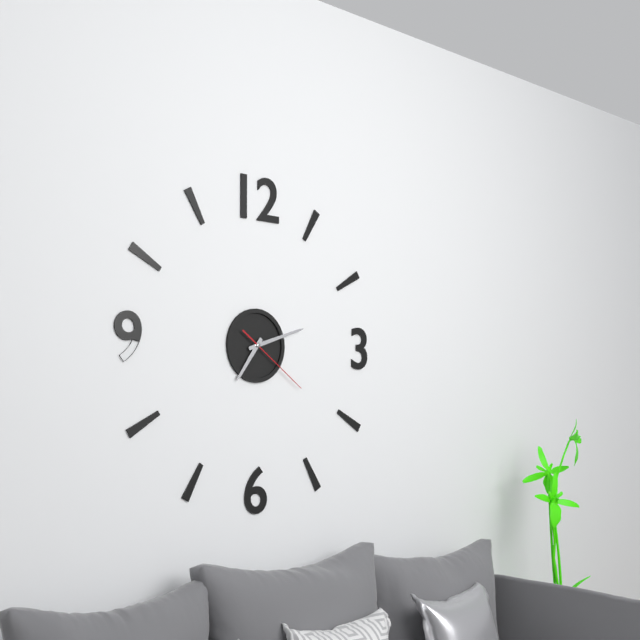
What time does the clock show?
7:12:21
